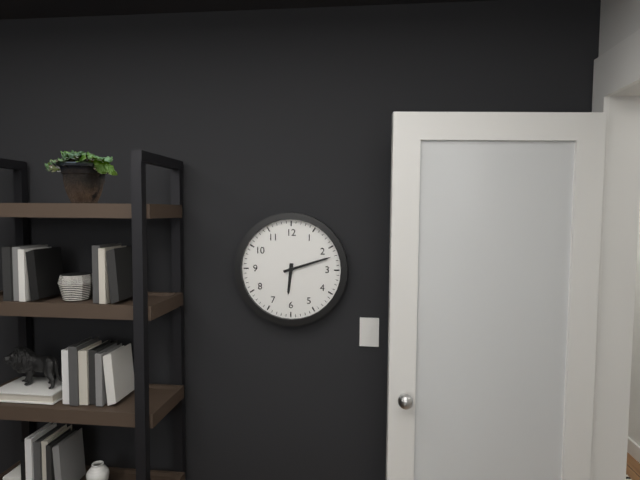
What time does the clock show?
6:12
